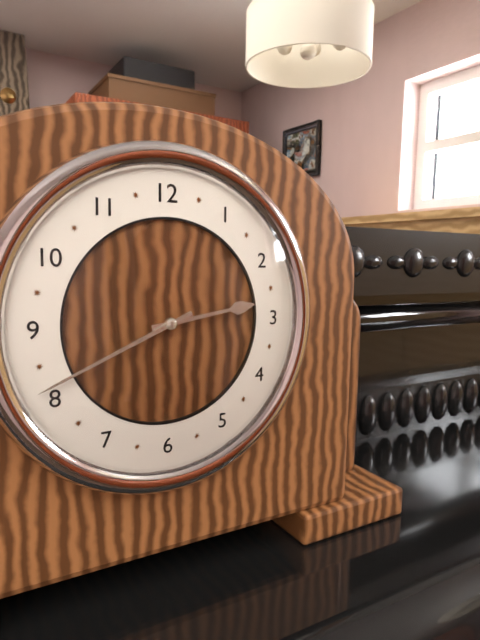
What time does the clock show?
2:41
